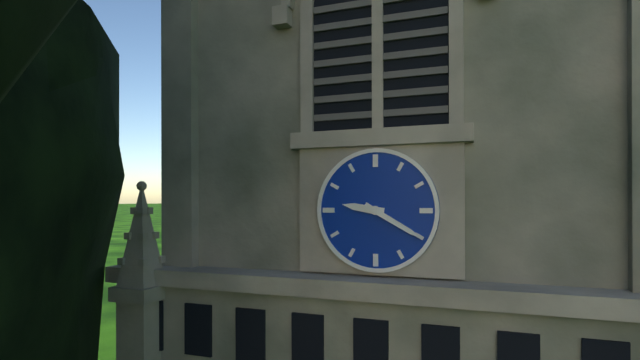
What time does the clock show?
9:20
